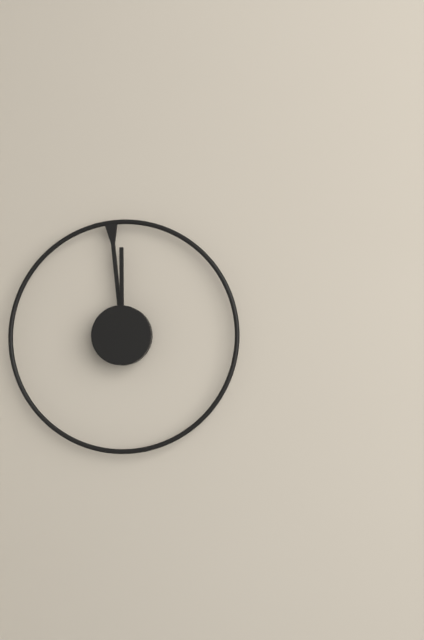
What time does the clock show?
11:59
